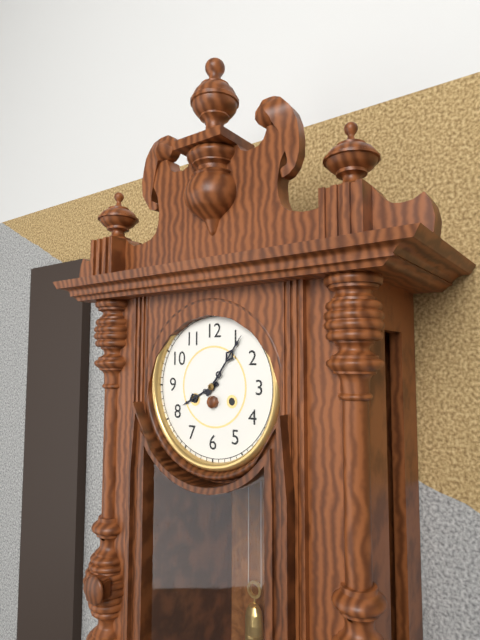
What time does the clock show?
8:06
